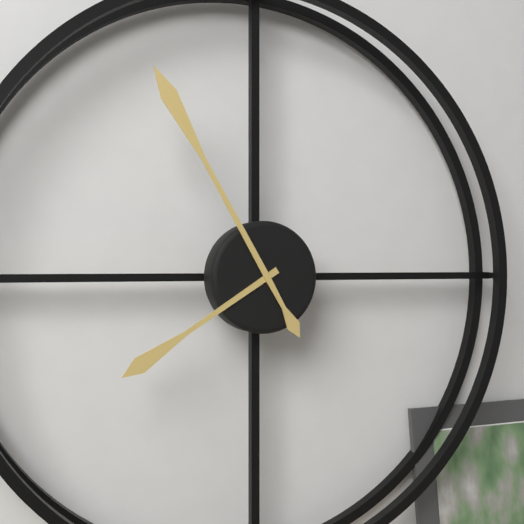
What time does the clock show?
7:55
